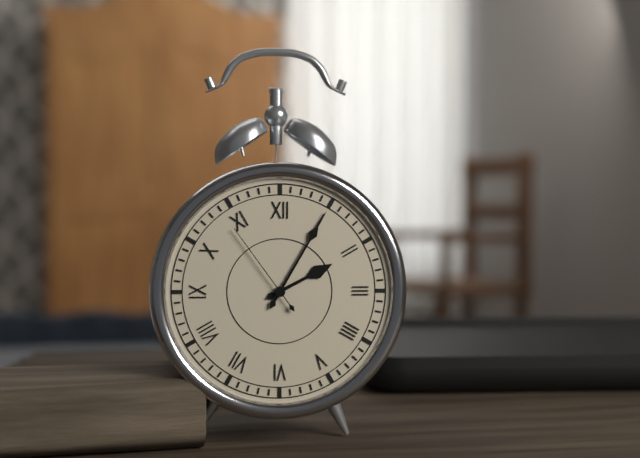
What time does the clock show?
2:05:54
